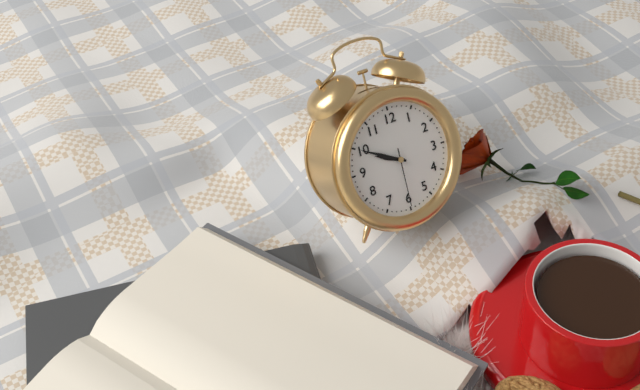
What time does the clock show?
9:50:30
